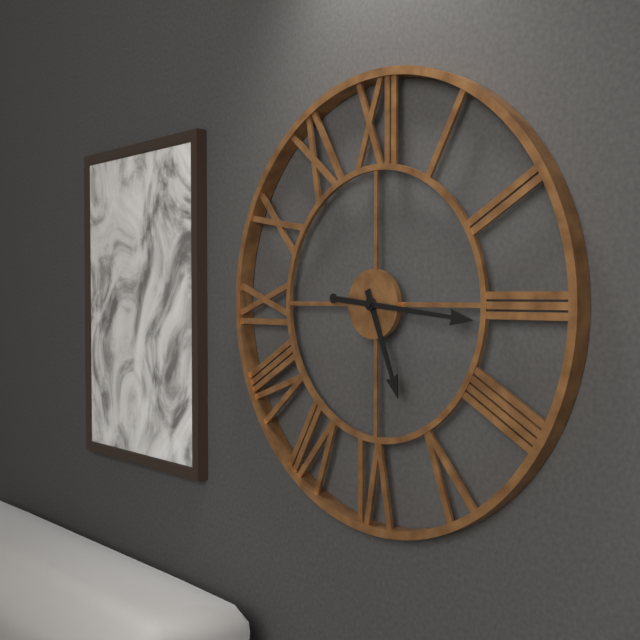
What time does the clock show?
5:16
